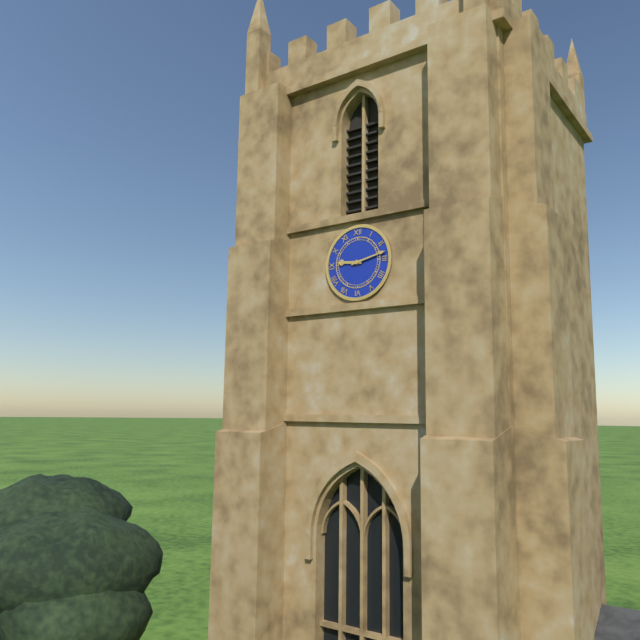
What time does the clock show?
9:13
